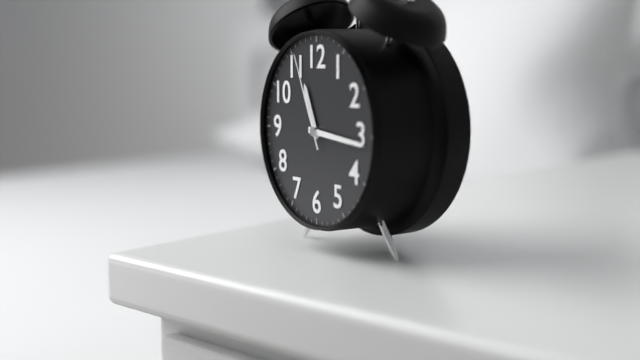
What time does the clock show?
11:16:56
